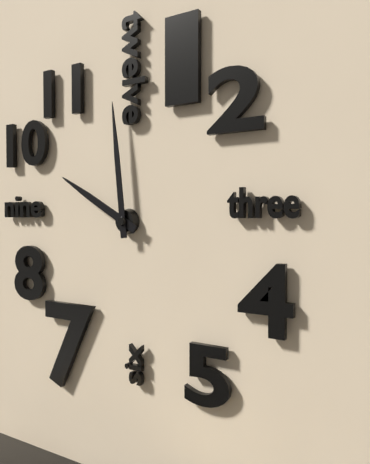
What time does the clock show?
9:59
